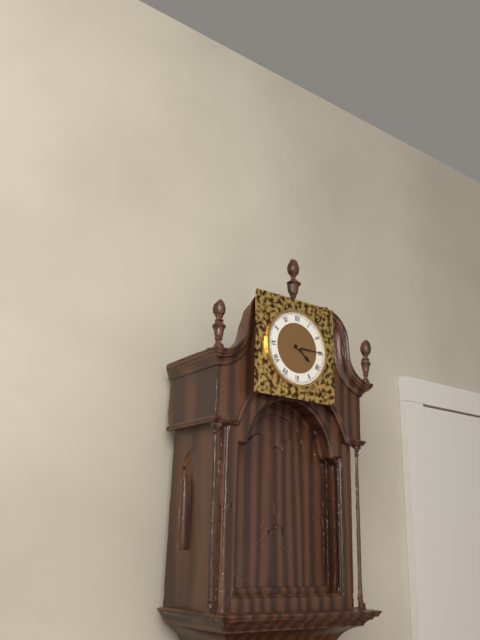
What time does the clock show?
4:15
